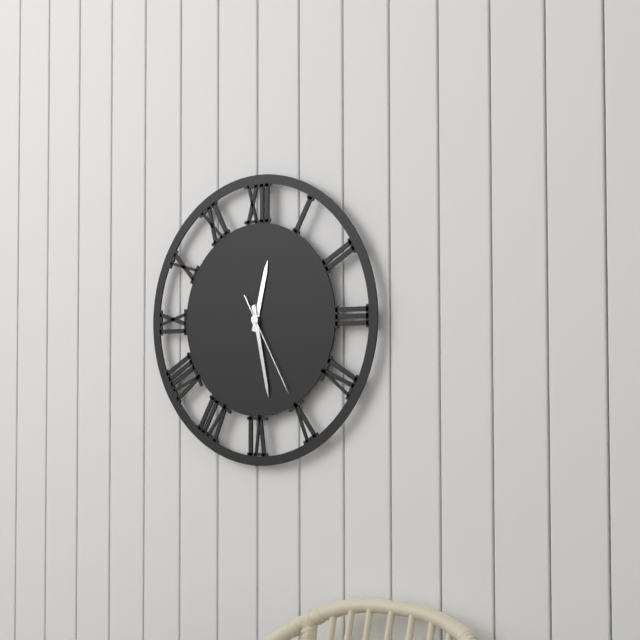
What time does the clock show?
12:28:25
